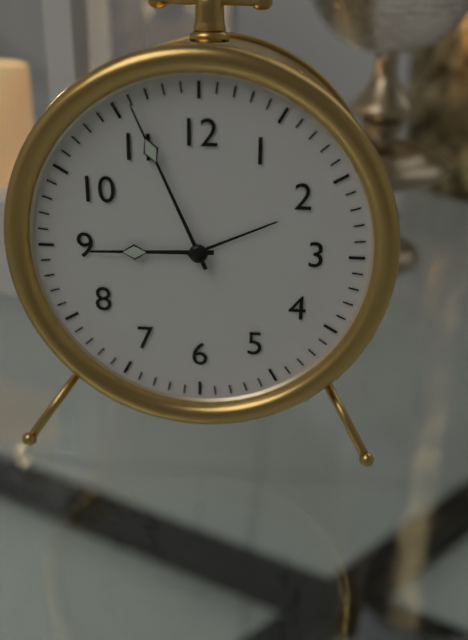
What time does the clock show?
8:56
